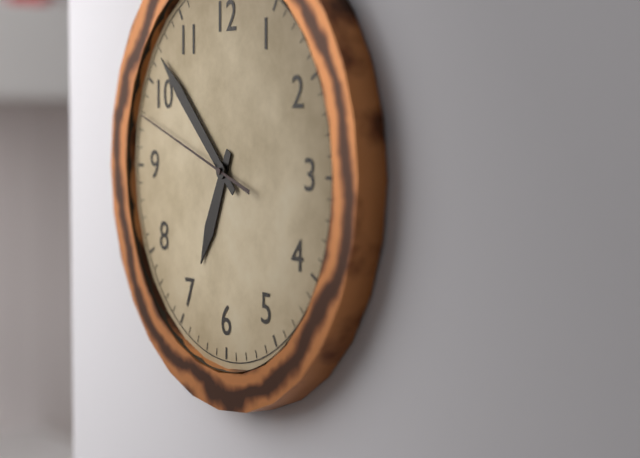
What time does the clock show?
6:52:48
